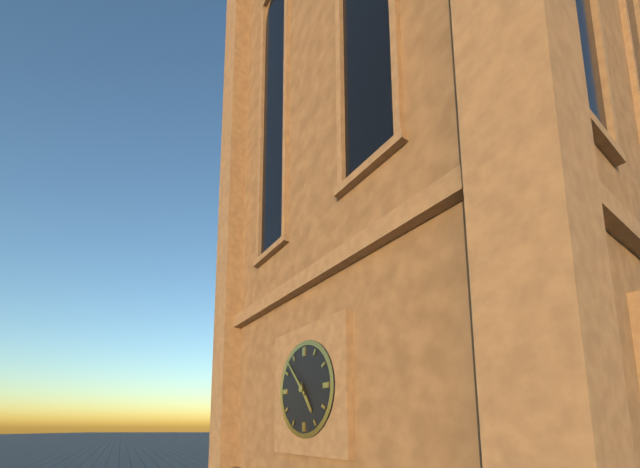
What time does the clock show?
4:53
